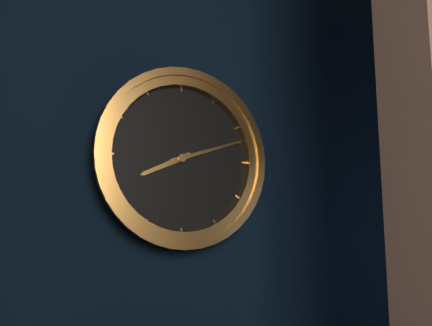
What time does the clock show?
8:12
